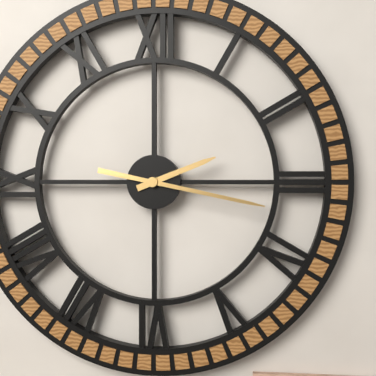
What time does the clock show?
2:17
